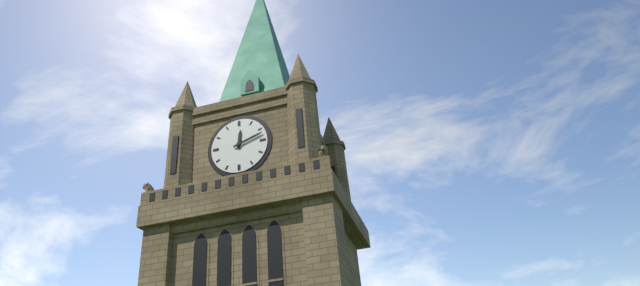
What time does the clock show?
12:12
